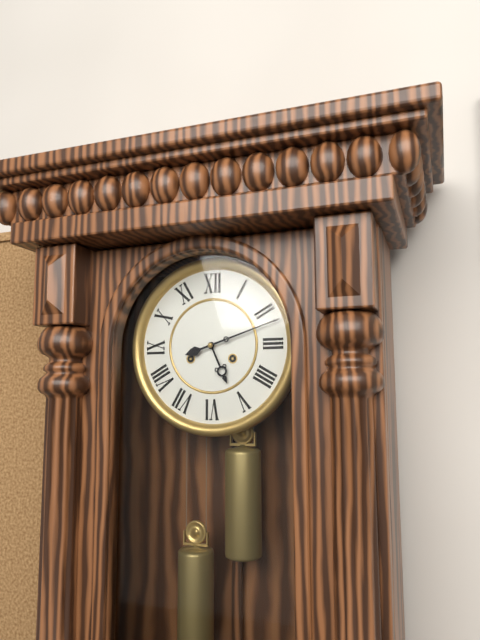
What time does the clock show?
5:12
